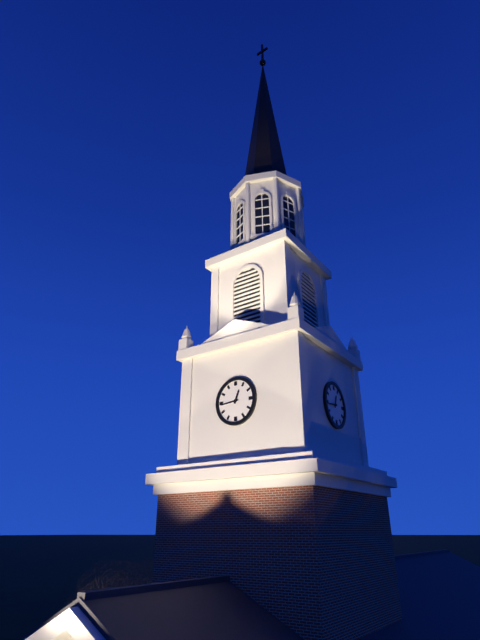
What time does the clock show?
12:44
